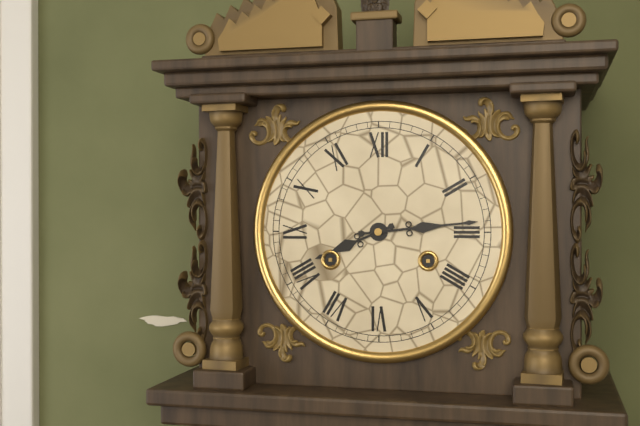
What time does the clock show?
8:14
